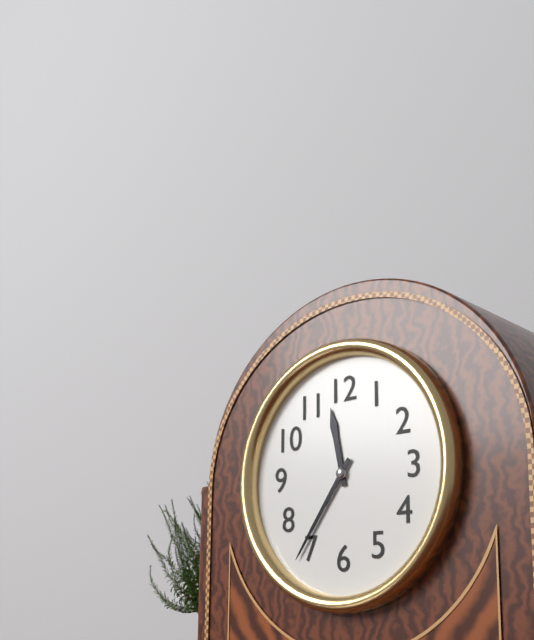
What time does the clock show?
11:36
